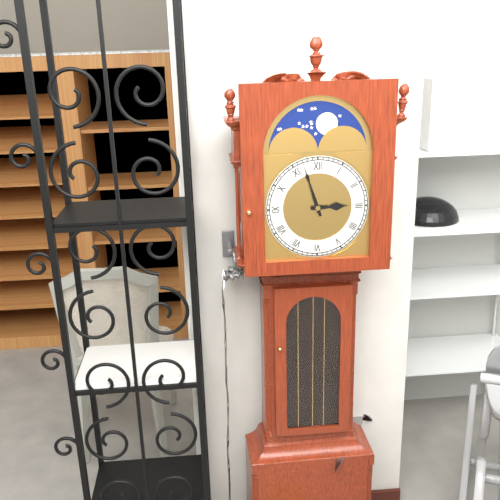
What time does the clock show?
2:57
